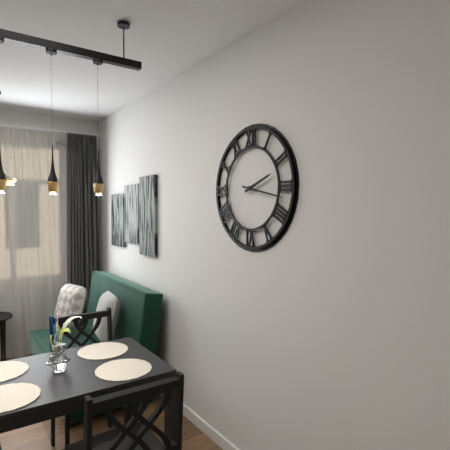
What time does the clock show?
2:17
